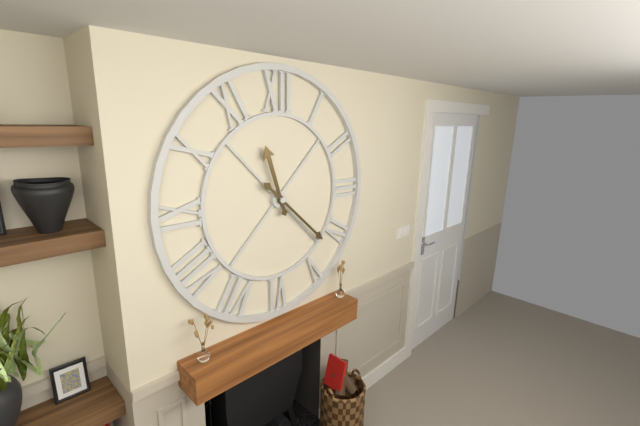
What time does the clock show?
11:22
